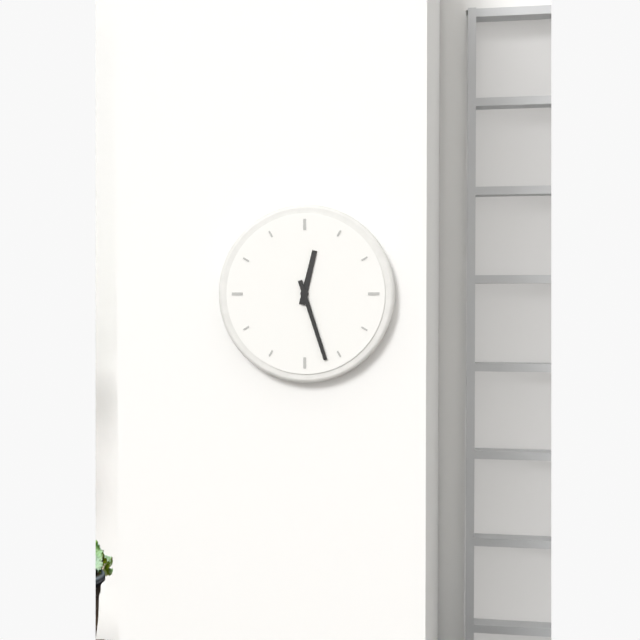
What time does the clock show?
12:27
